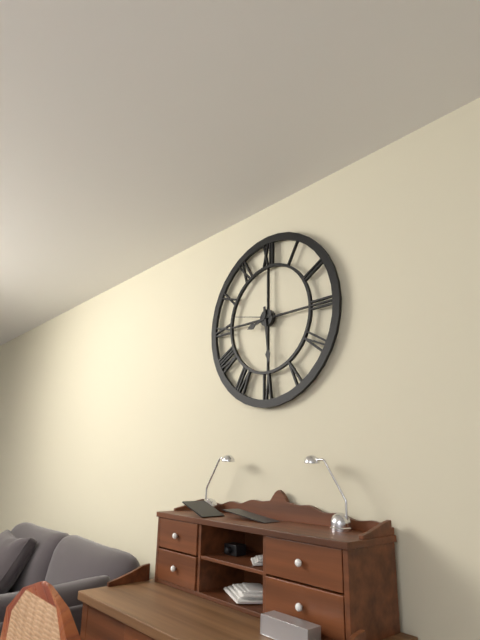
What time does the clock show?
8:29:47
